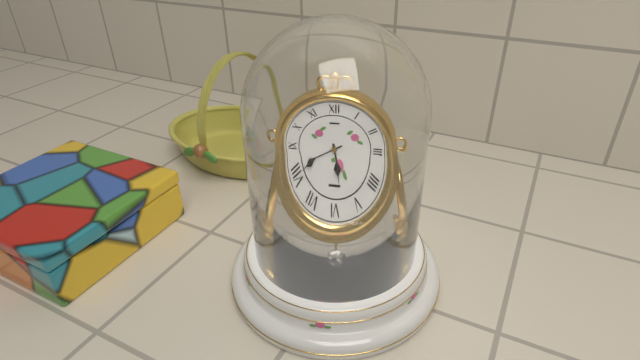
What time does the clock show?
5:40
